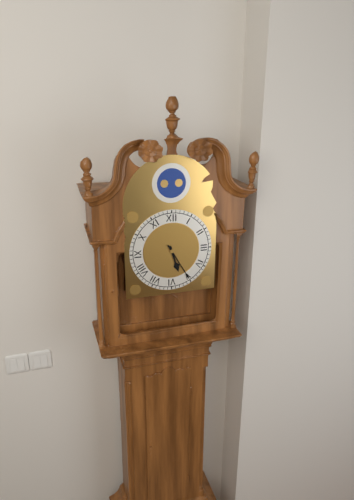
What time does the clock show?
5:25
